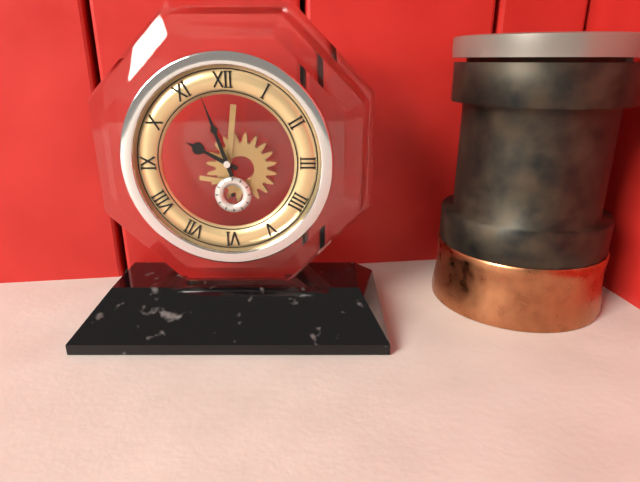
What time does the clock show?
9:57
